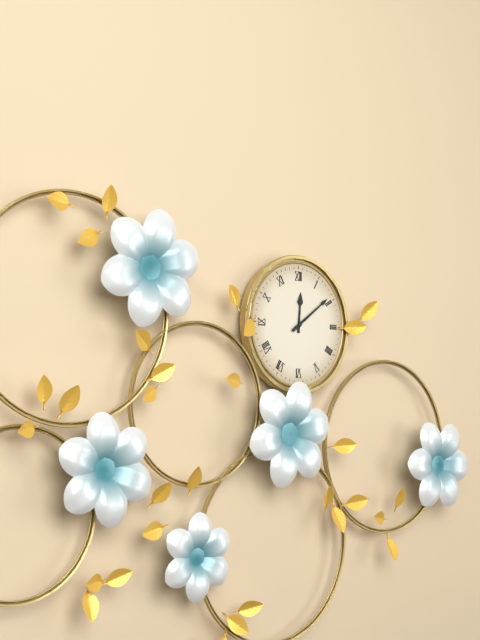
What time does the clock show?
12:09
